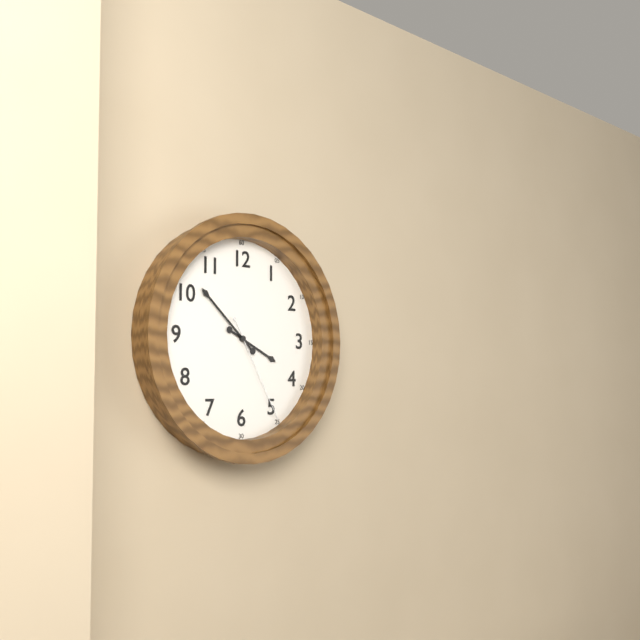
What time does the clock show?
3:52:25
